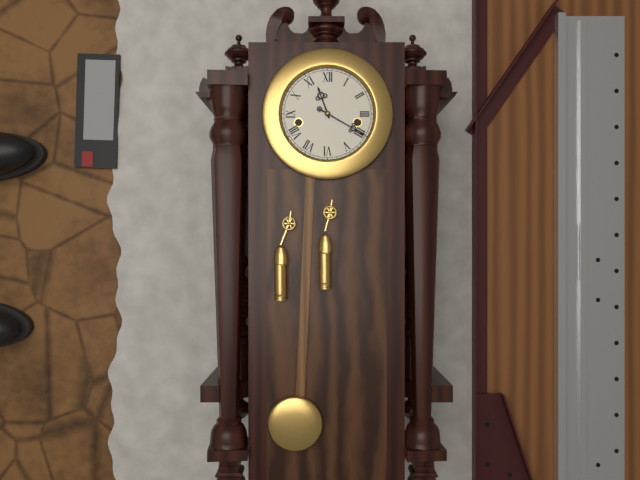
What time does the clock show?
11:20
